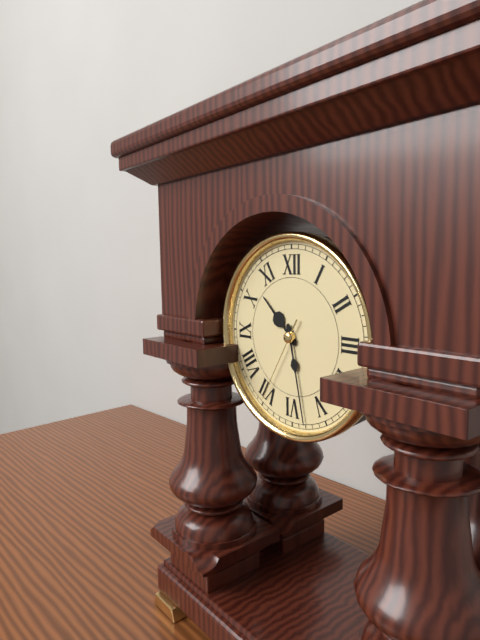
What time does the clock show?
10:28:35
